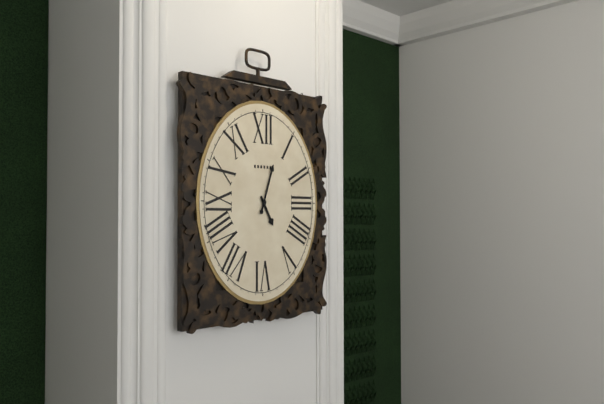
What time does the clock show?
5:03
